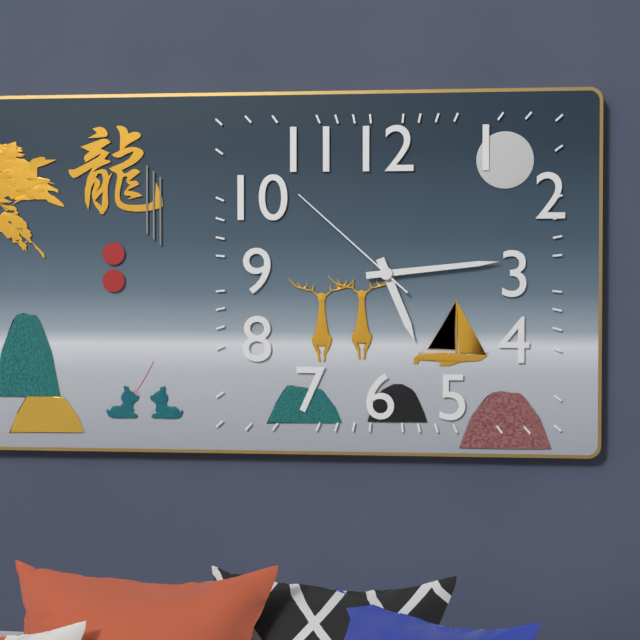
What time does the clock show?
5:14:52
